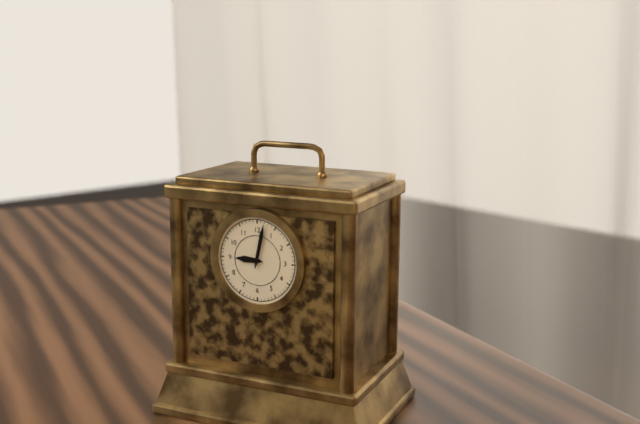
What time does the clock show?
9:02
